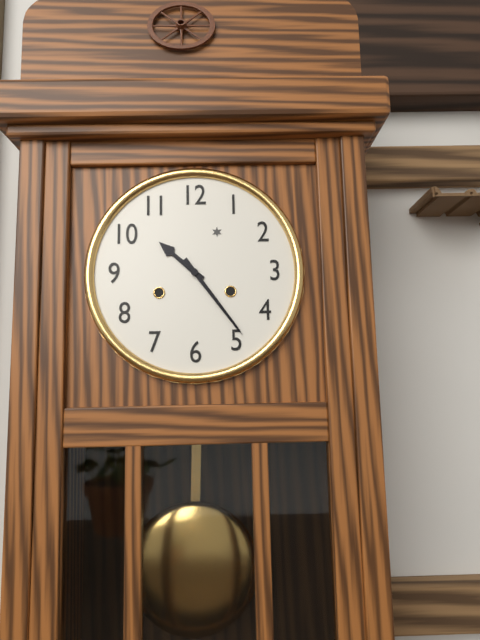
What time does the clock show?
10:24
